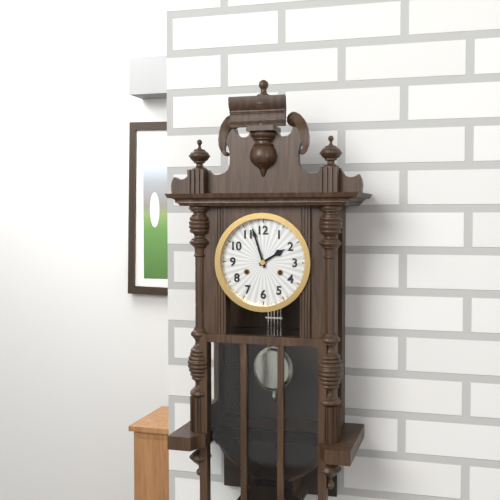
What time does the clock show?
1:57
